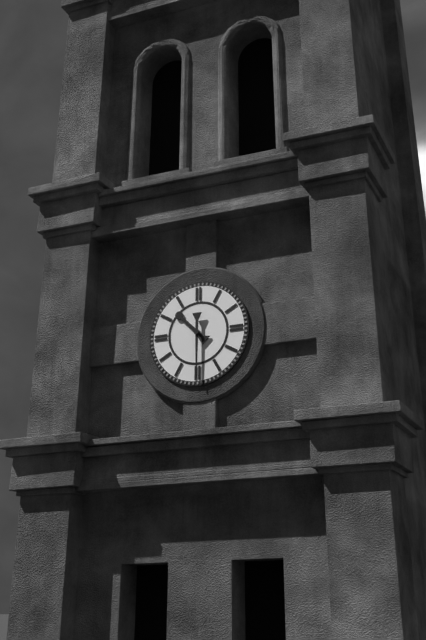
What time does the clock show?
10:30
